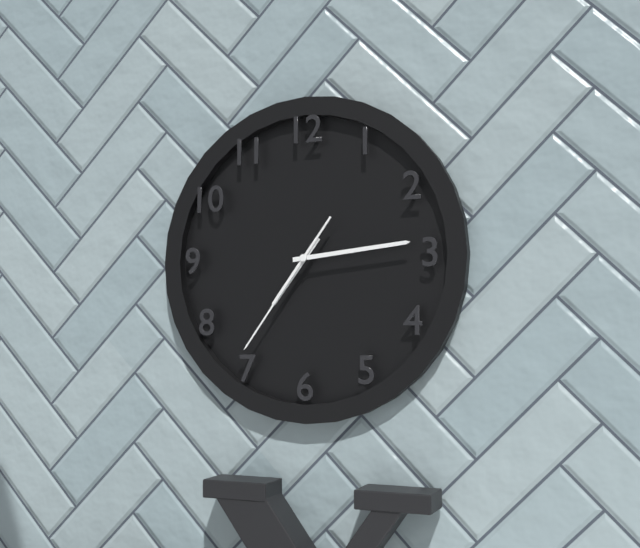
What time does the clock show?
7:14:36
